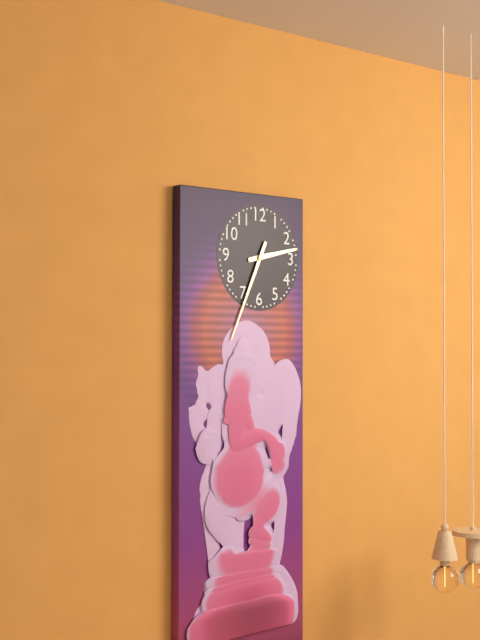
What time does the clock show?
2:34
